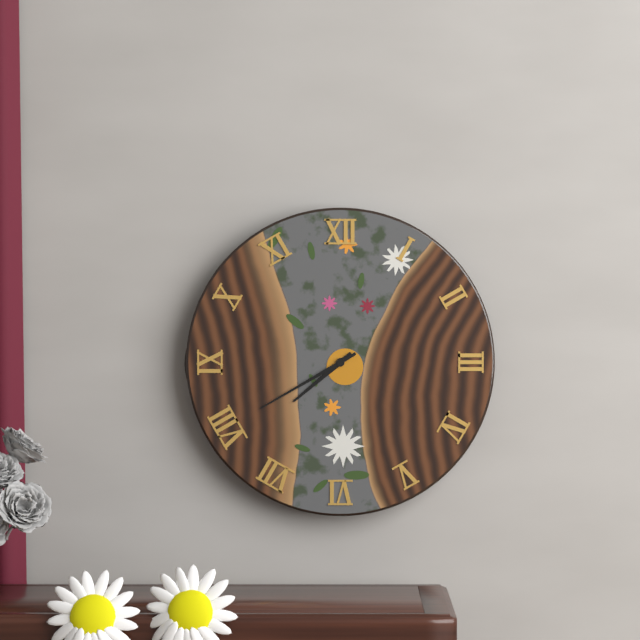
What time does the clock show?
7:40
